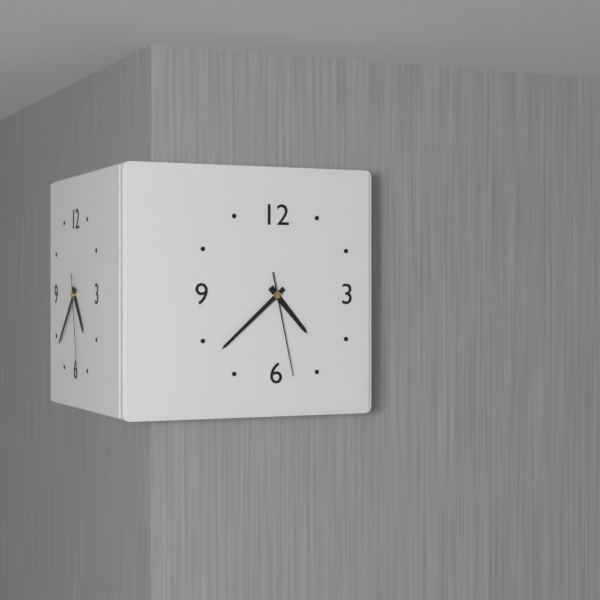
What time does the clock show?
4:38:28
